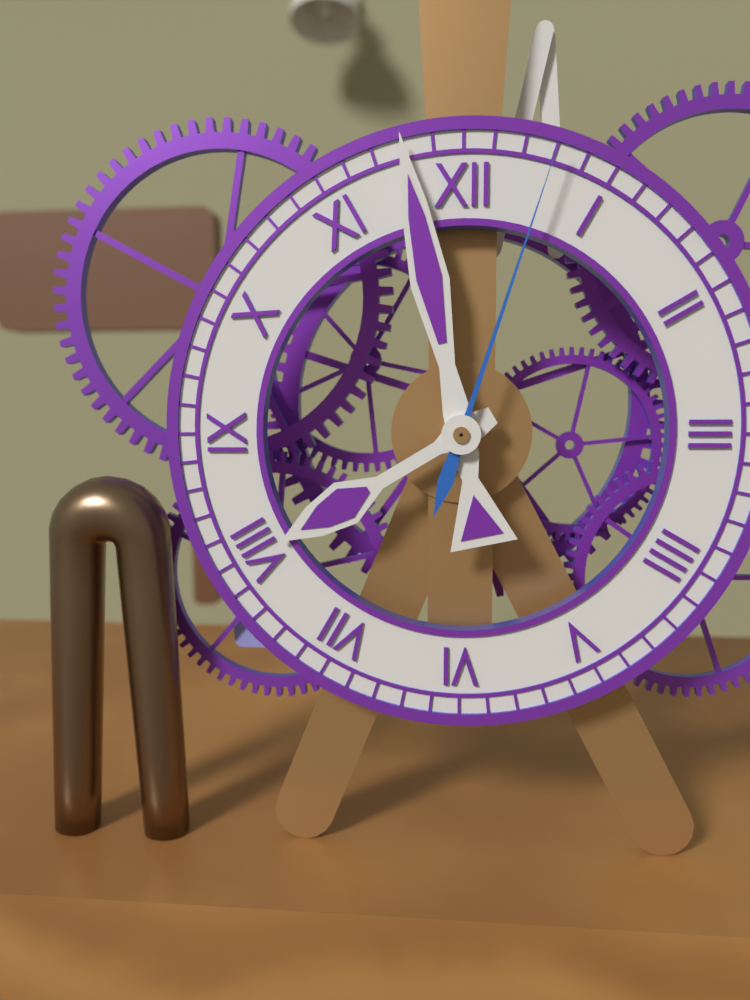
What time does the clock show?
7:58:03
